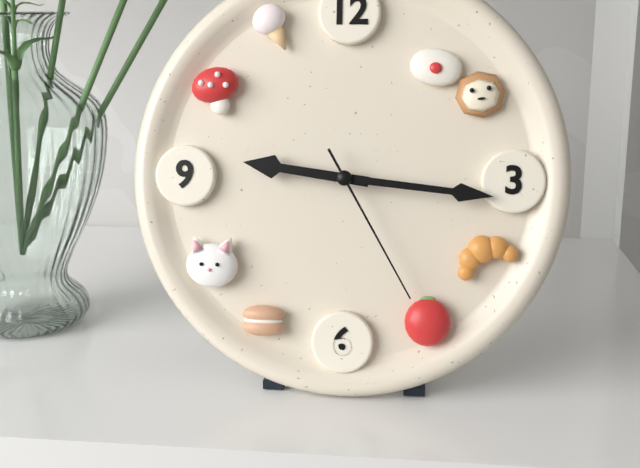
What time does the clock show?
9:16:25
